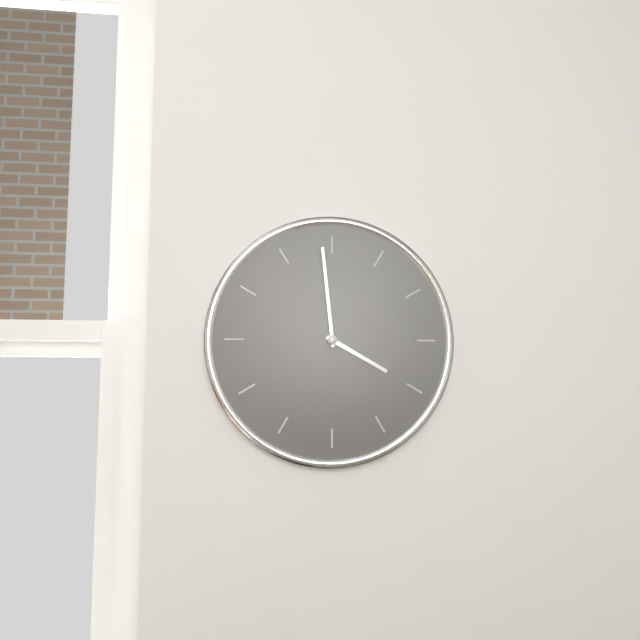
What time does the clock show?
3:59
